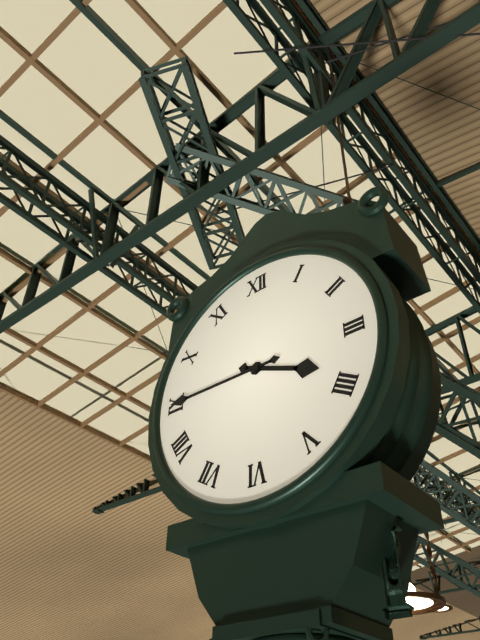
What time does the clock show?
3:45
